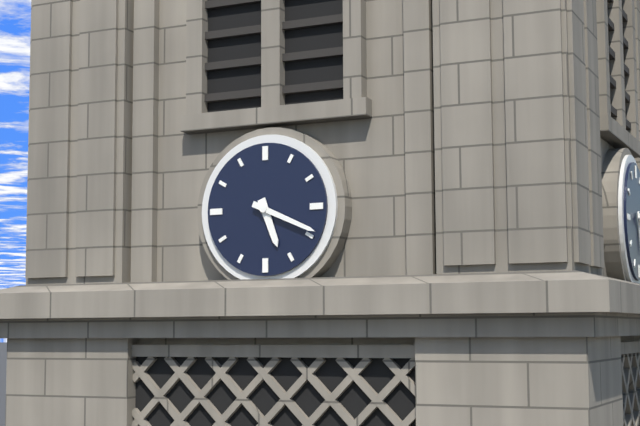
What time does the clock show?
5:19
